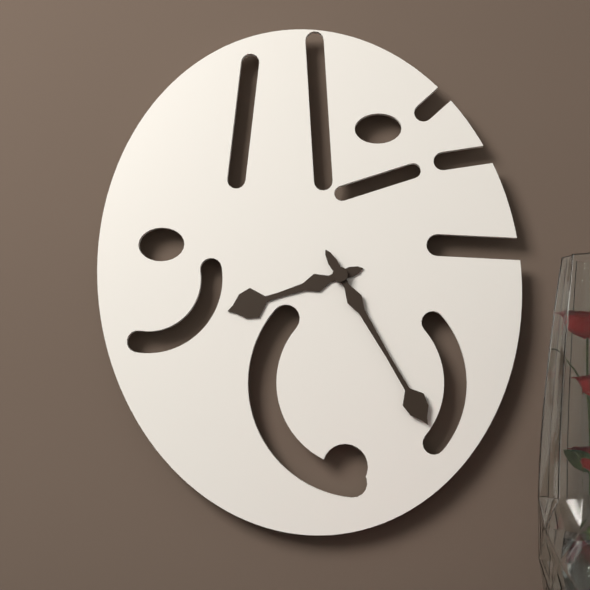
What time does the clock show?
8:25
